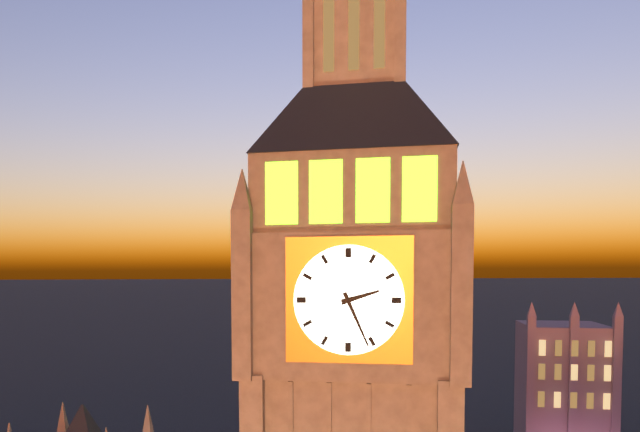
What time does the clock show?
2:26
